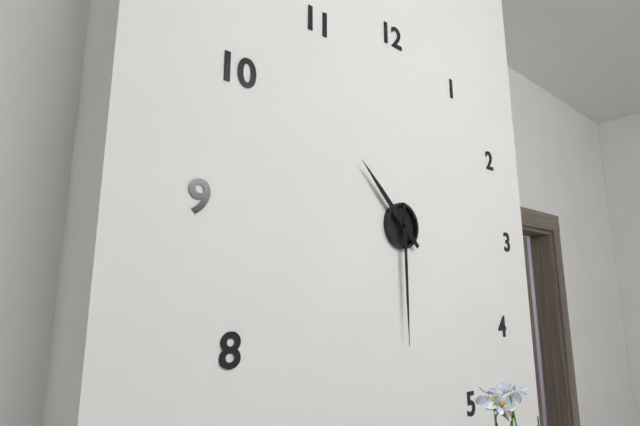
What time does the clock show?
10:30
